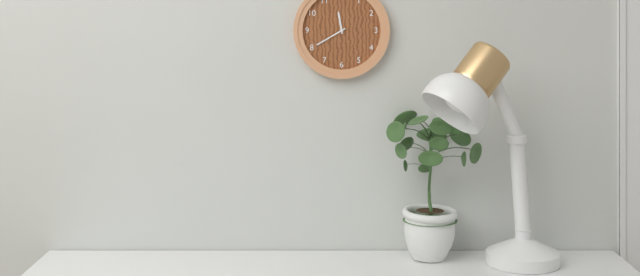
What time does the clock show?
11:40
